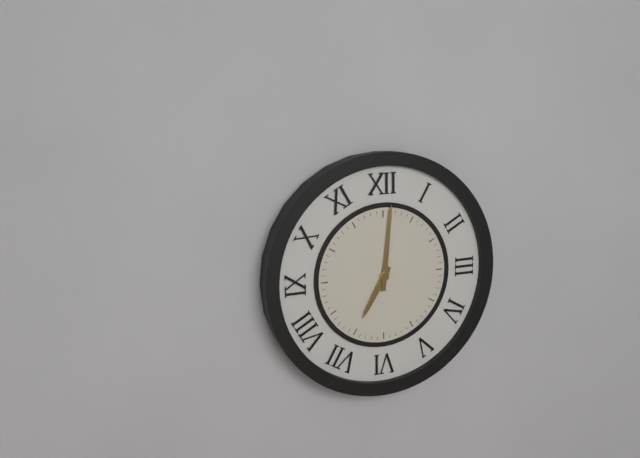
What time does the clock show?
7:01
